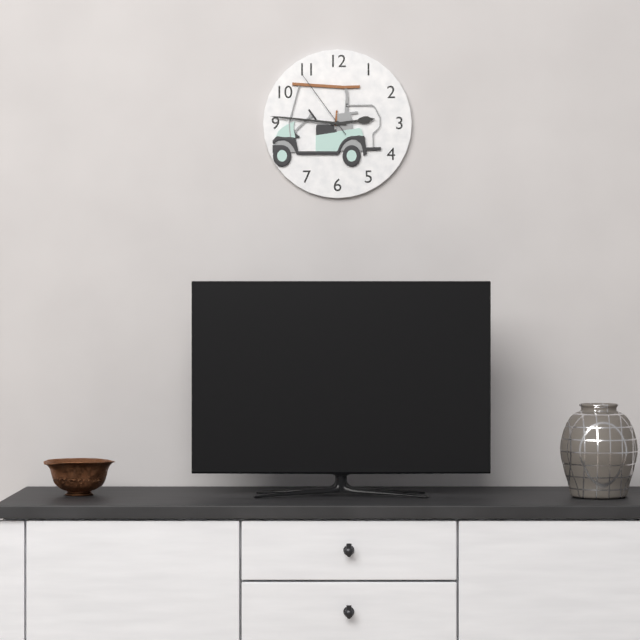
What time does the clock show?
2:46:54
